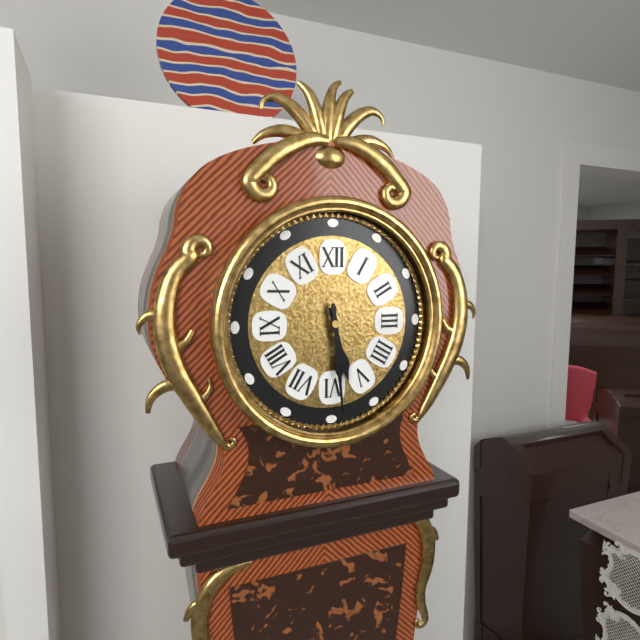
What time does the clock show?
5:29
